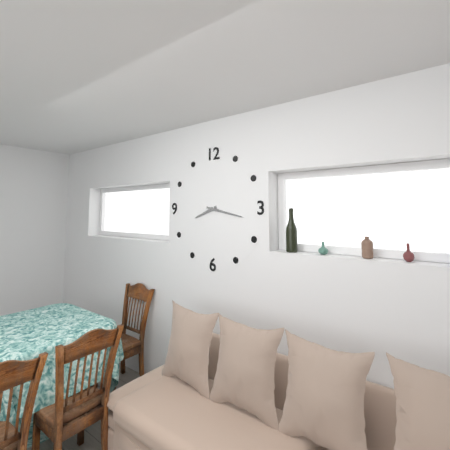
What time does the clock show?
8:17
